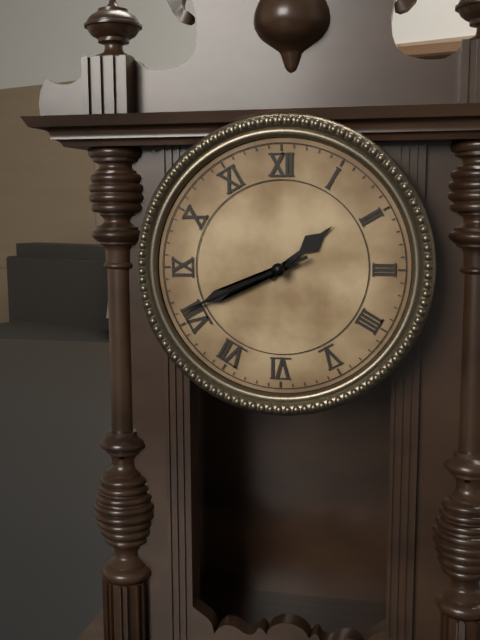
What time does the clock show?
1:41:41
